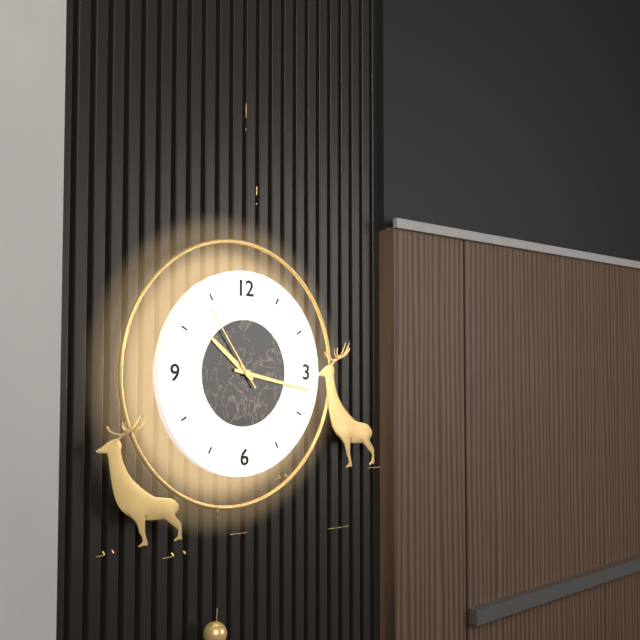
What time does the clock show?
10:17:54
